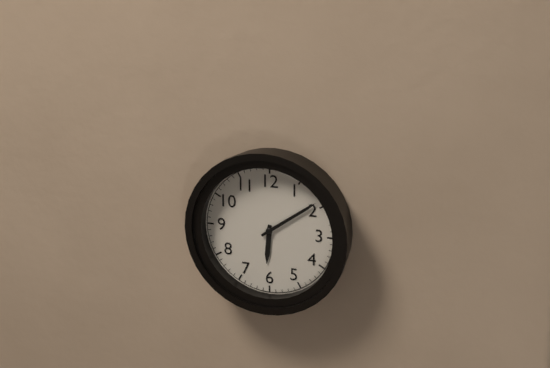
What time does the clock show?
6:09
